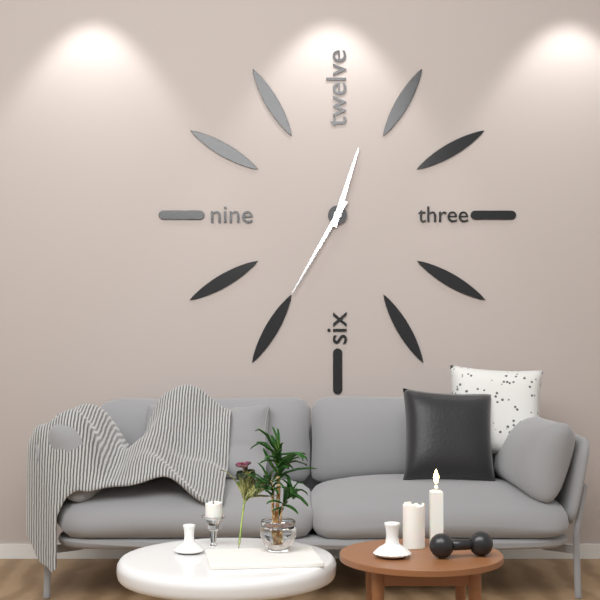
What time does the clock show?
12:35
